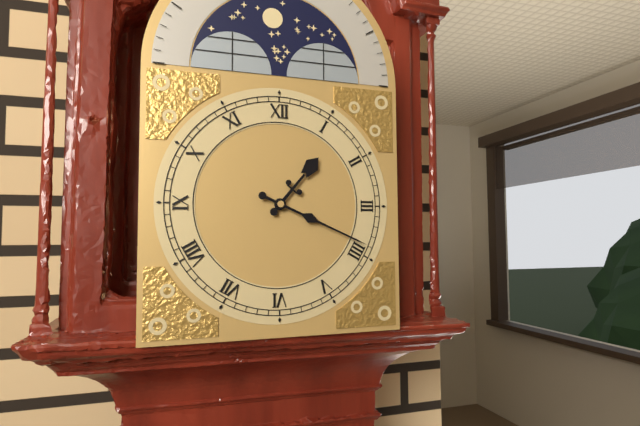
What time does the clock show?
1:19
